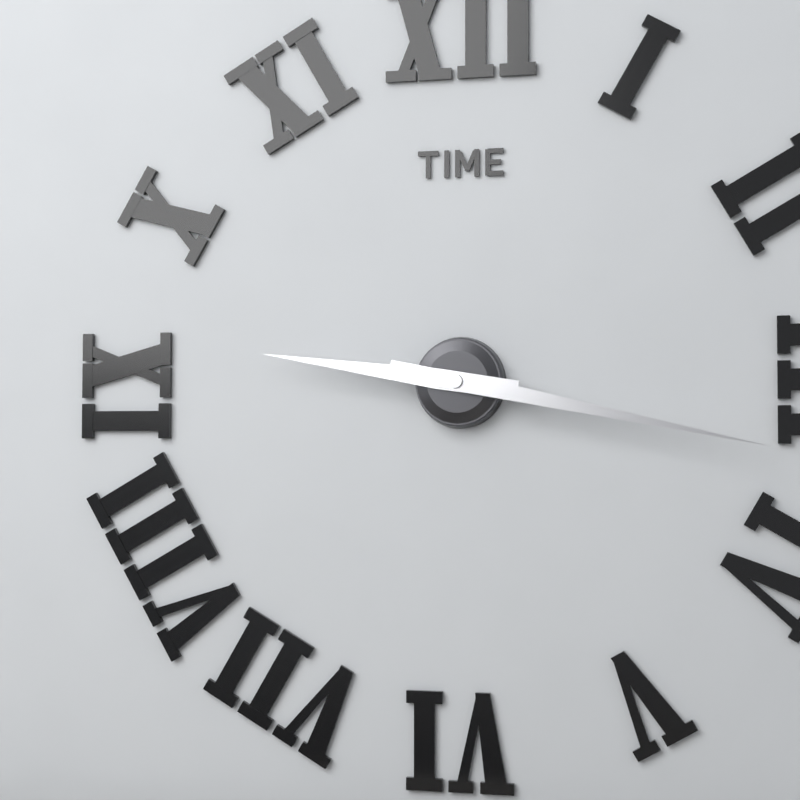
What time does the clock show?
9:17
